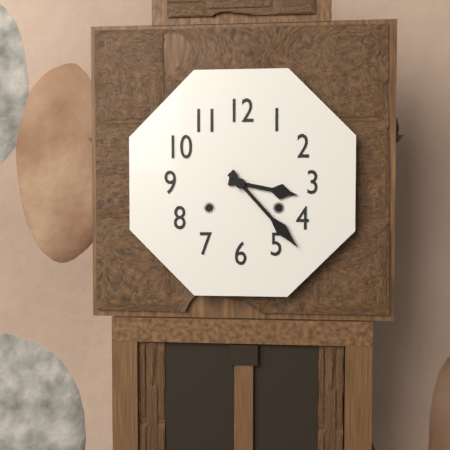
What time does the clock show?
3:23
